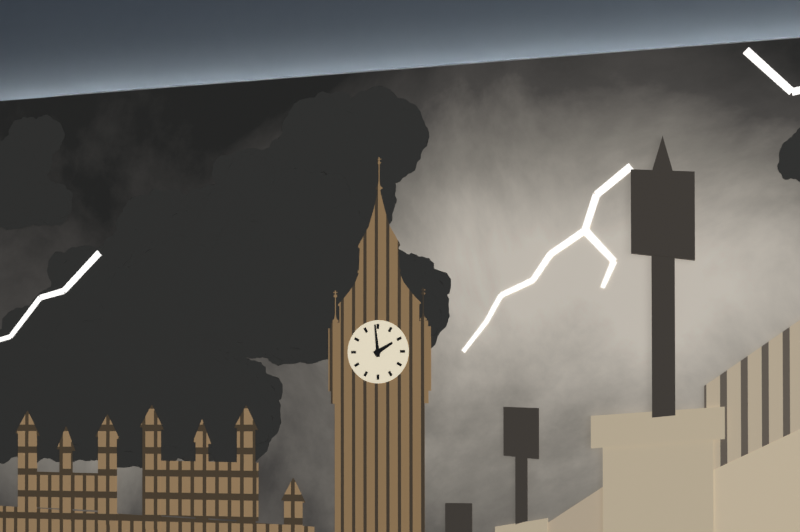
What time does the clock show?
1:59
